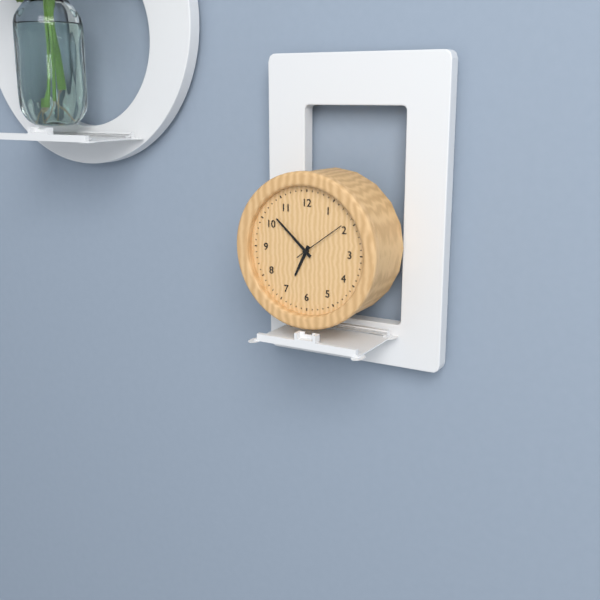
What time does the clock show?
6:52:09
